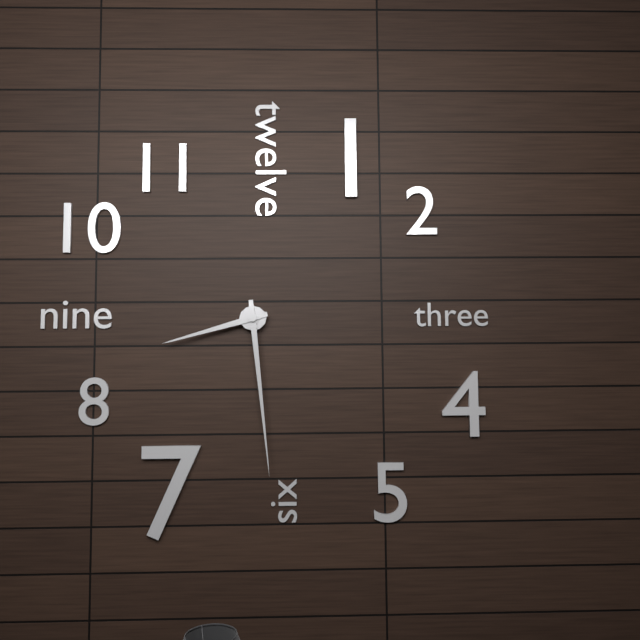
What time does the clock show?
8:29
